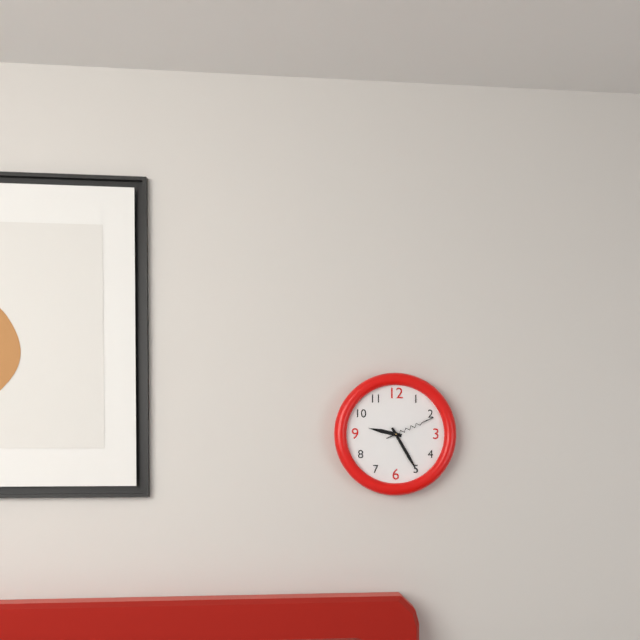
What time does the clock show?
9:25:11
